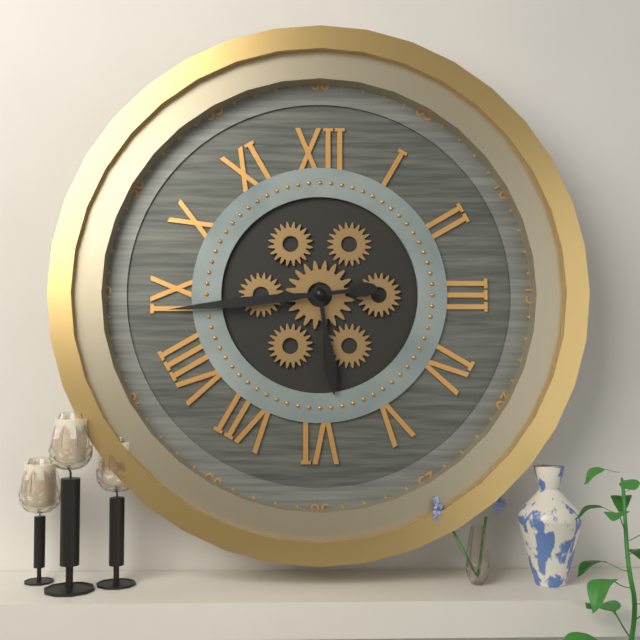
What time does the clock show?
5:44
